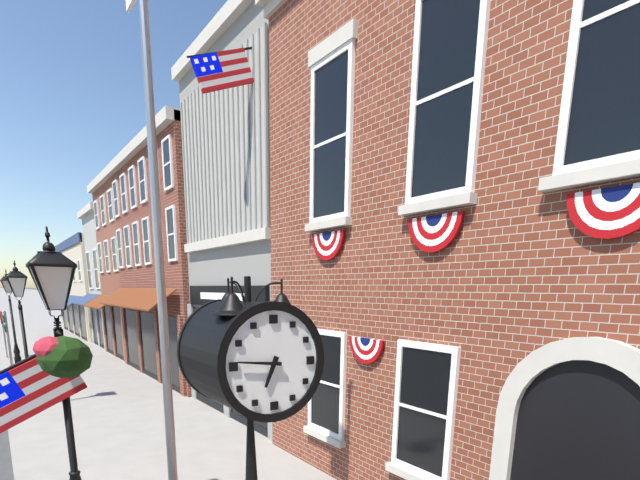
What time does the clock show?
6:46
